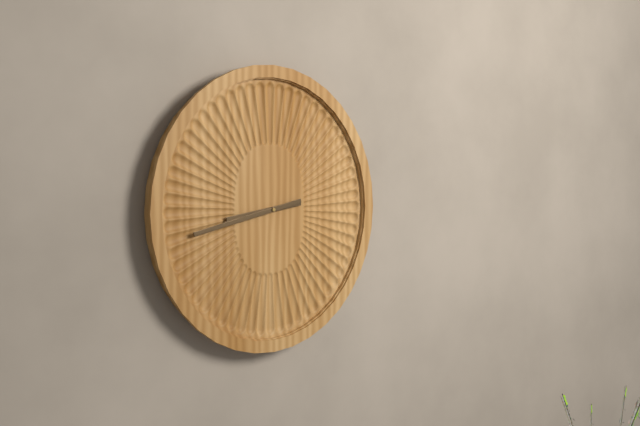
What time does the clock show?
8:43
